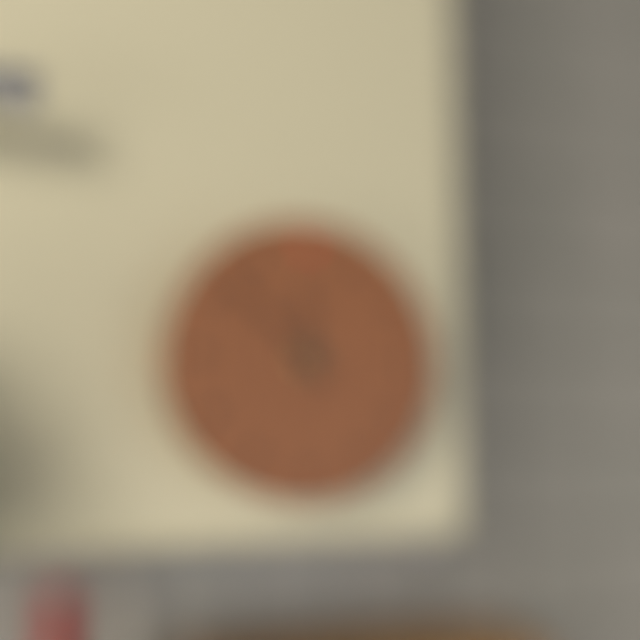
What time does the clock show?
11:52
